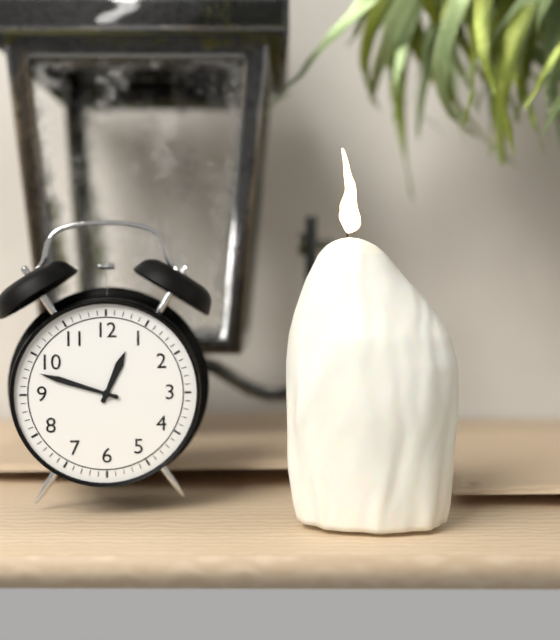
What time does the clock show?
12:48
